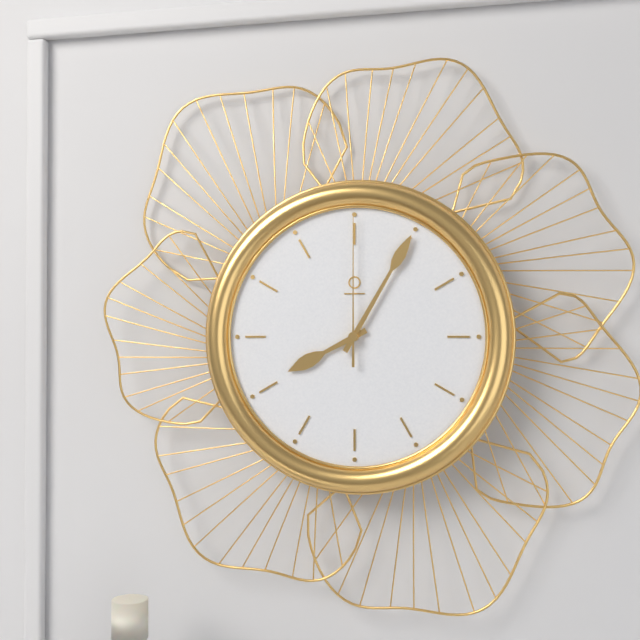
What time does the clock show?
8:05:00
